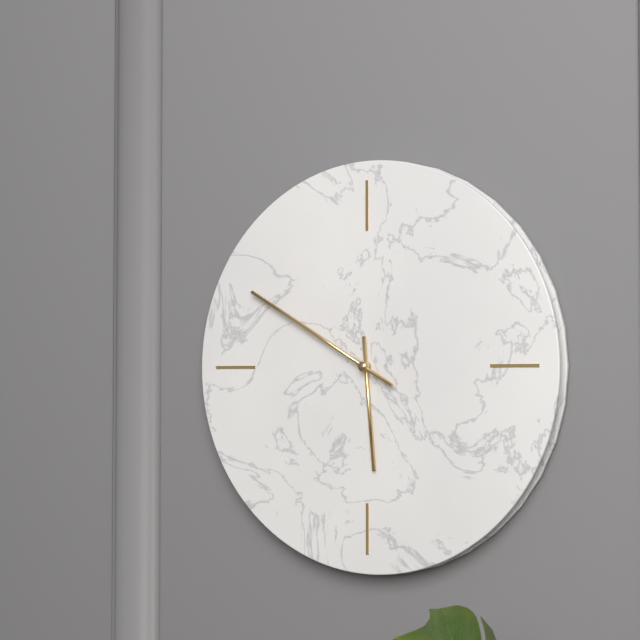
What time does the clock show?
5:50
